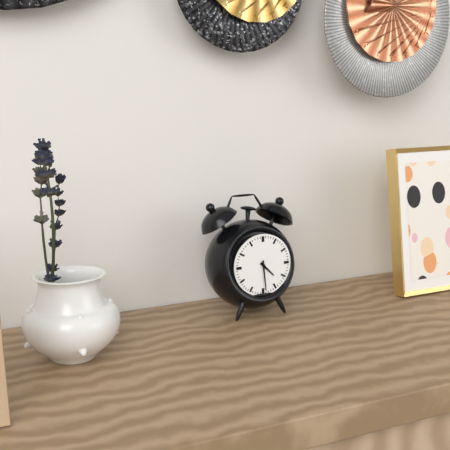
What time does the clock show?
4:29
